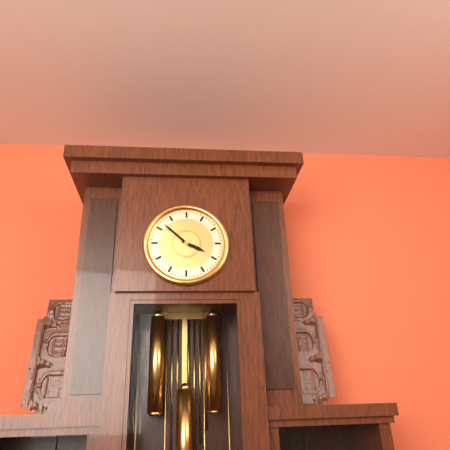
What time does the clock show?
3:52
